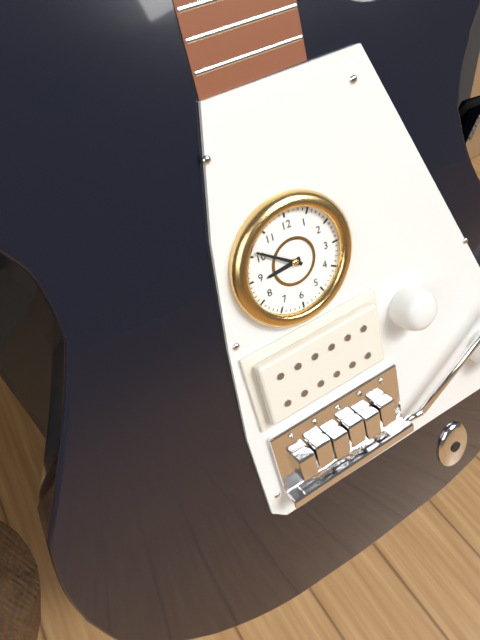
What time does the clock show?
8:51
